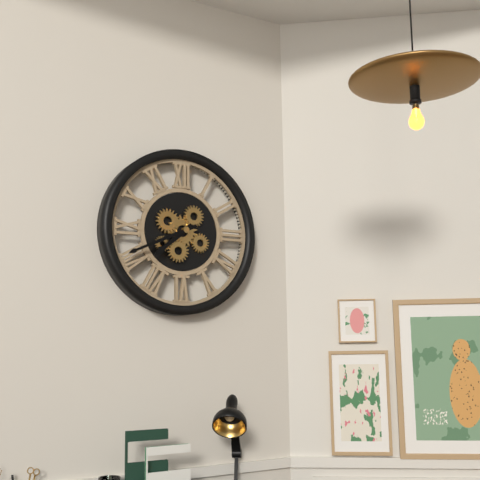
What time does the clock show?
7:41
